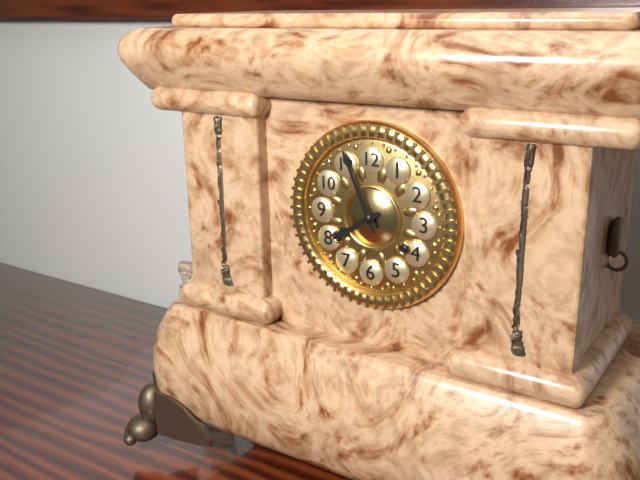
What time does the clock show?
7:56
